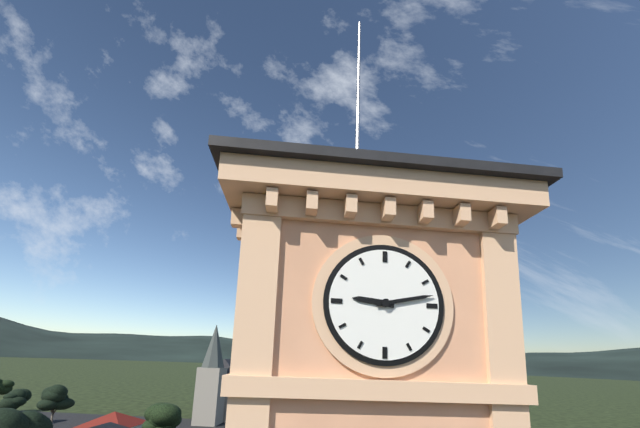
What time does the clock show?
9:13
